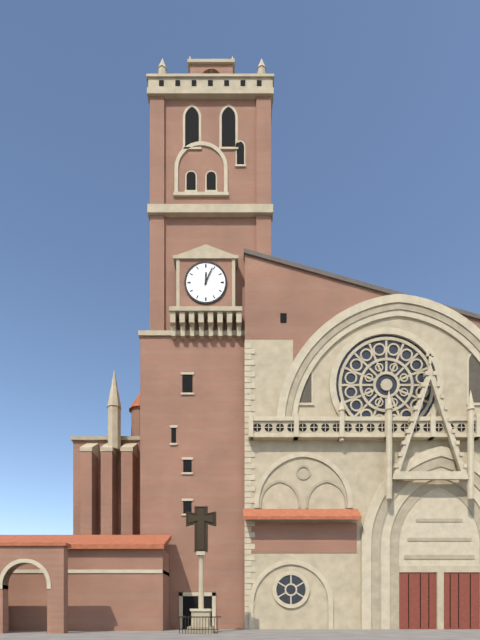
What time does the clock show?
12:04
